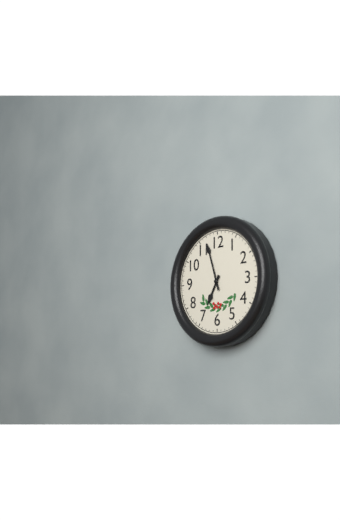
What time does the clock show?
6:57
